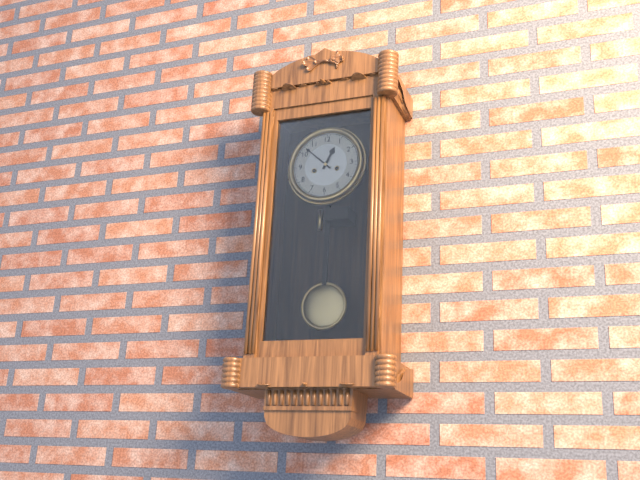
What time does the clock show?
12:52
